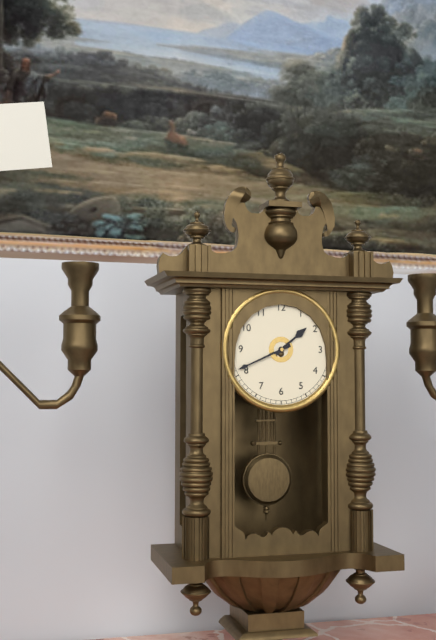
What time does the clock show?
1:41
